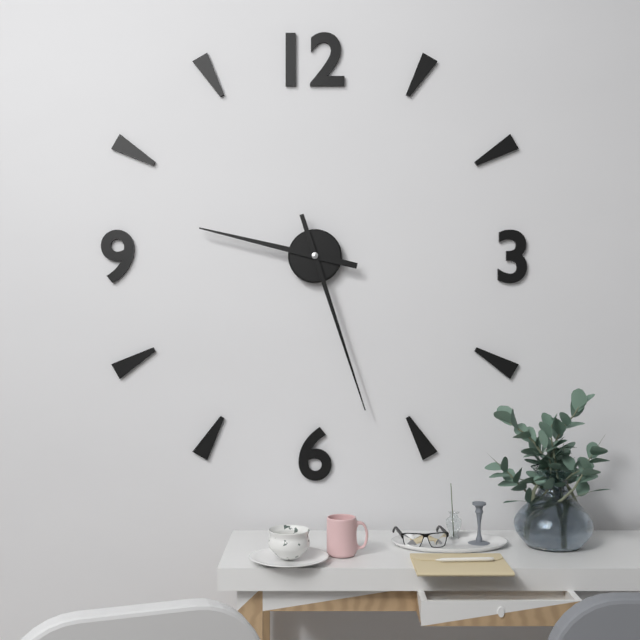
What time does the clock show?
9:27
